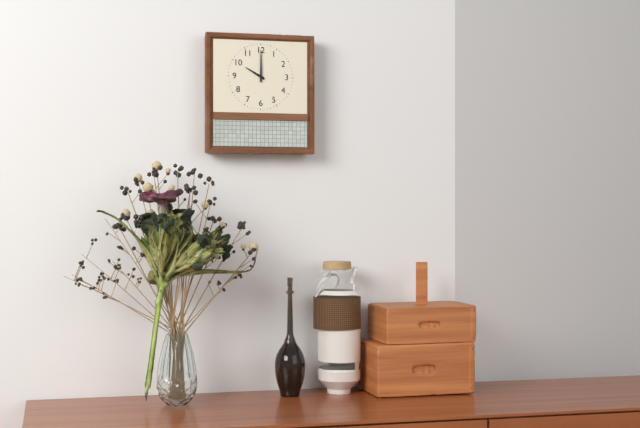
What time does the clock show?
10:00
